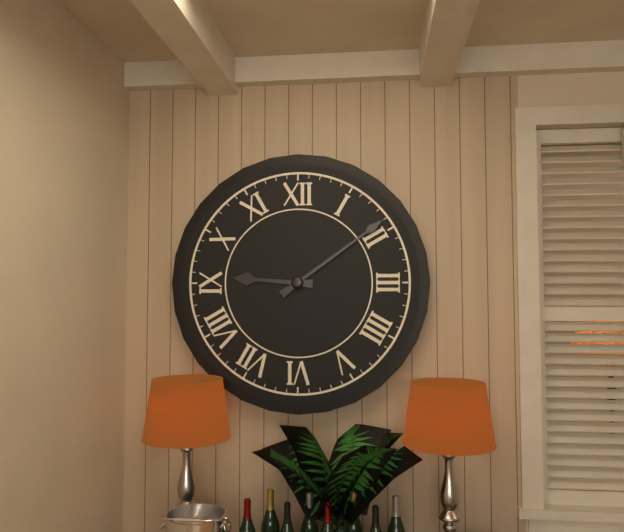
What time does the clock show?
9:09
